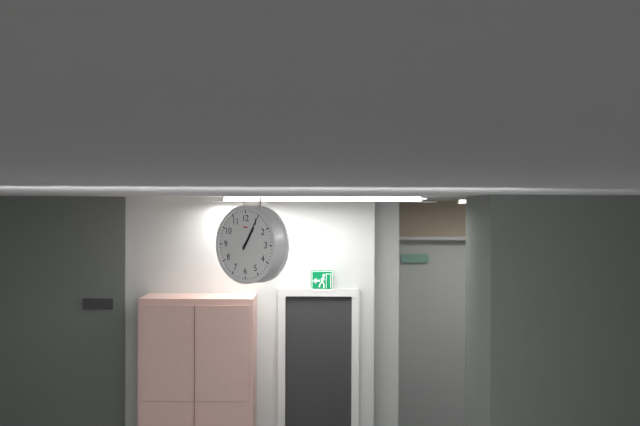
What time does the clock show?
1:05
